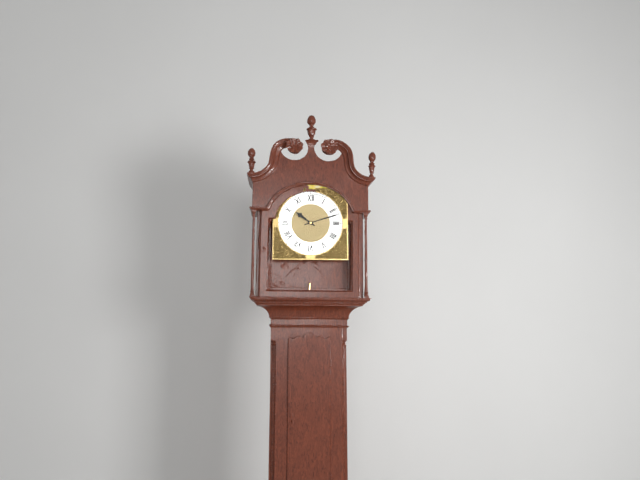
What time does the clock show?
10:12
